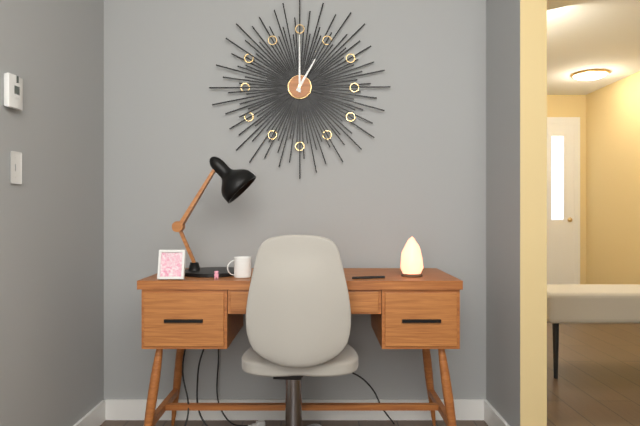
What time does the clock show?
1:00
